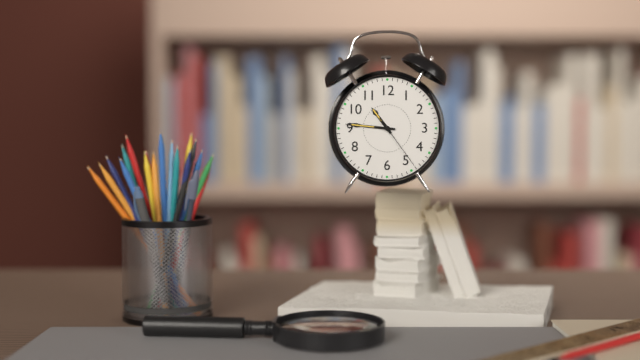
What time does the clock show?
10:46:24
